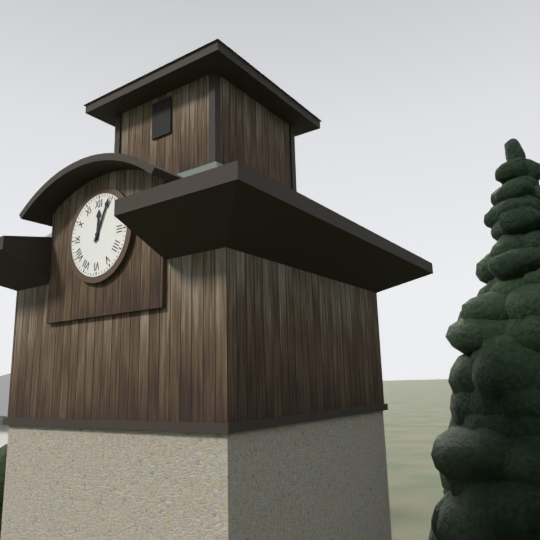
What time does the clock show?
12:04
